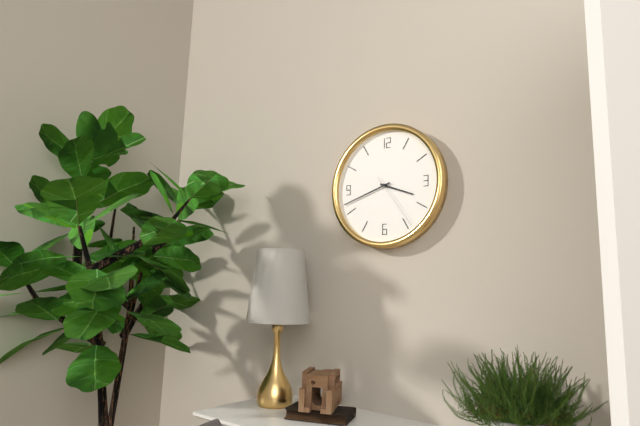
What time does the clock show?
3:42:24
